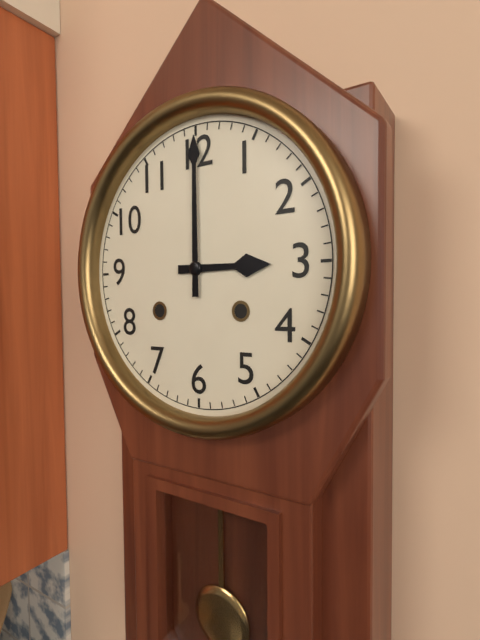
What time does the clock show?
3:00
